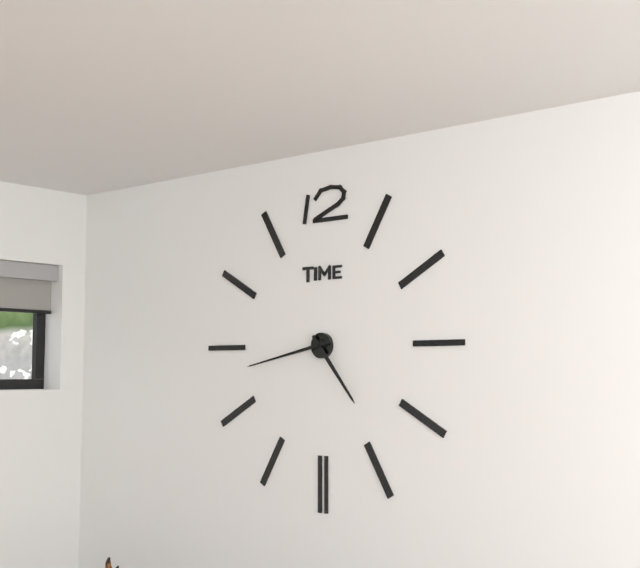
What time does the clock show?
4:43
